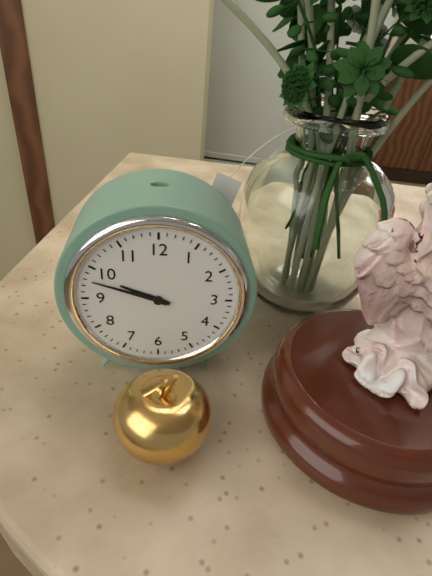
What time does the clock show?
9:48
